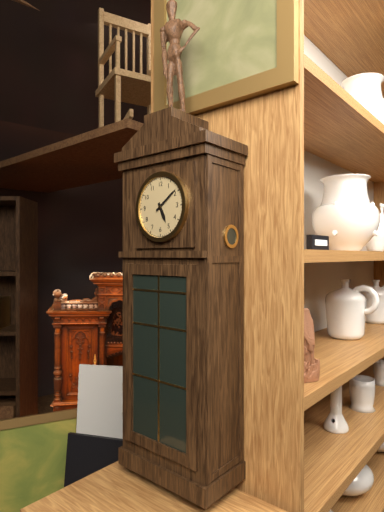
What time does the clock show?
5:09
